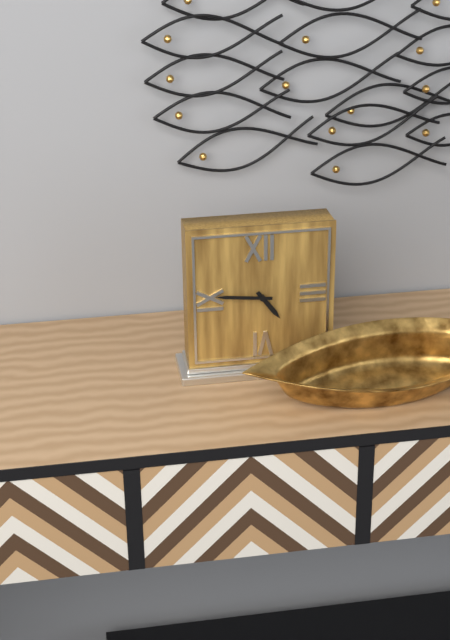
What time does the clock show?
4:46
